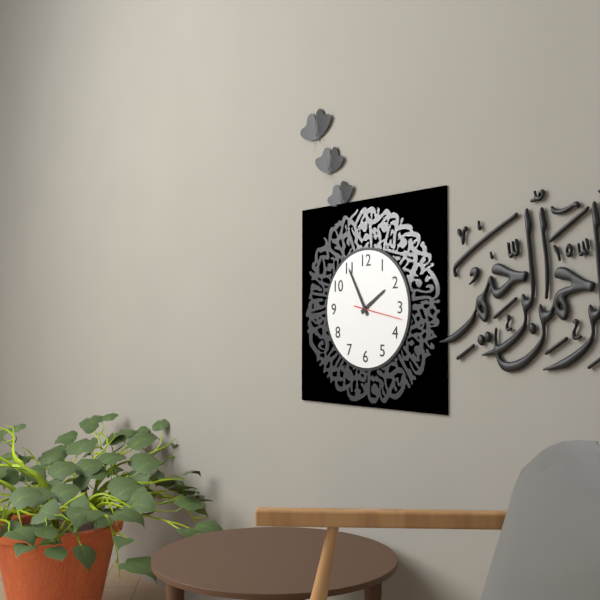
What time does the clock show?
1:55
